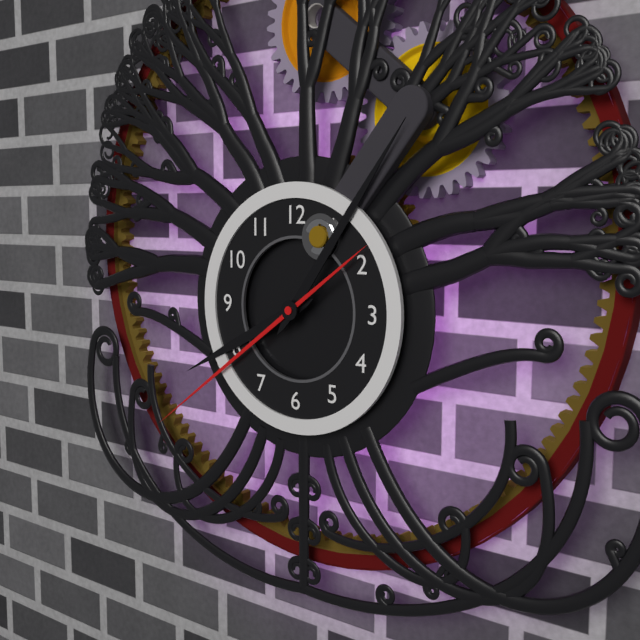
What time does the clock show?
8:06:39
